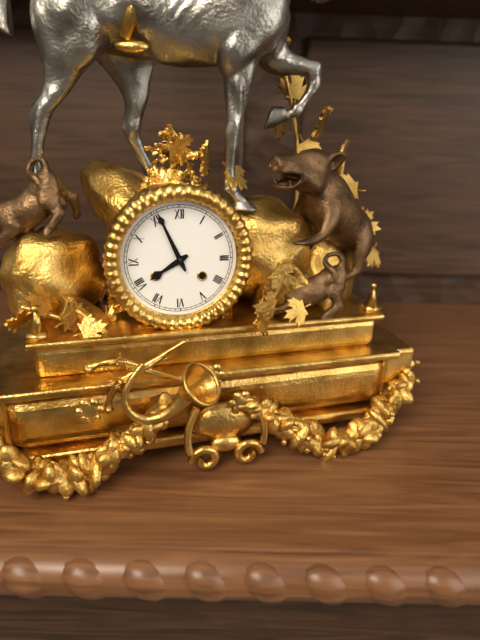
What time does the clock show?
7:56
